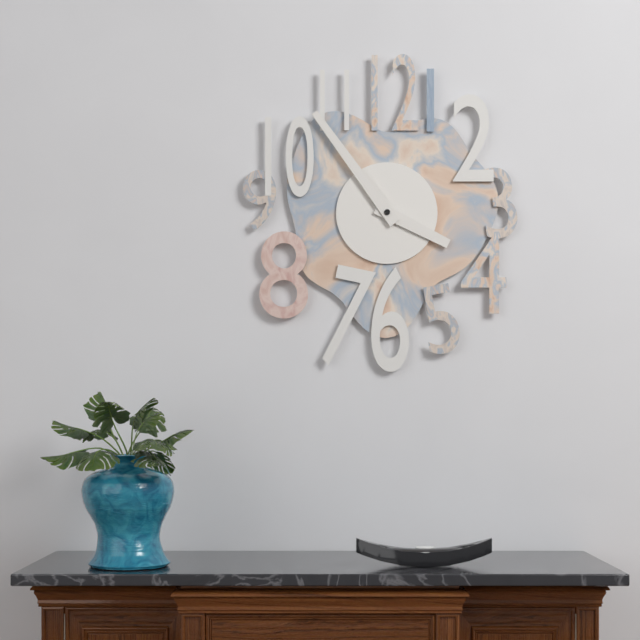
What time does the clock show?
3:54
